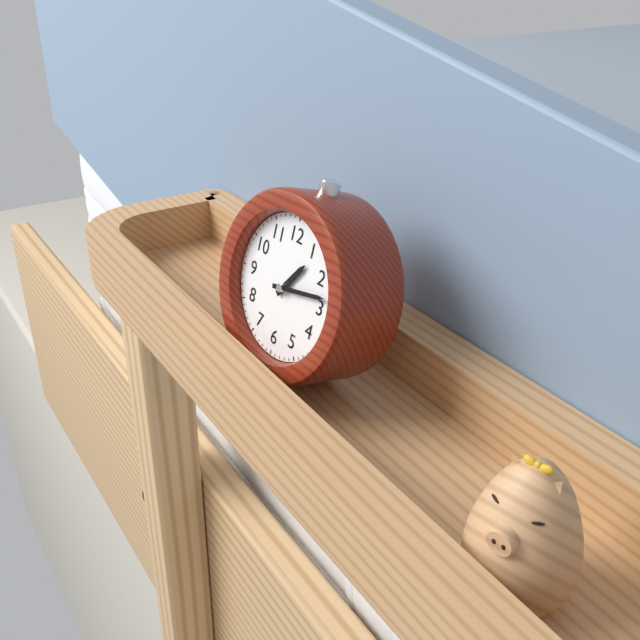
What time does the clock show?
1:13
